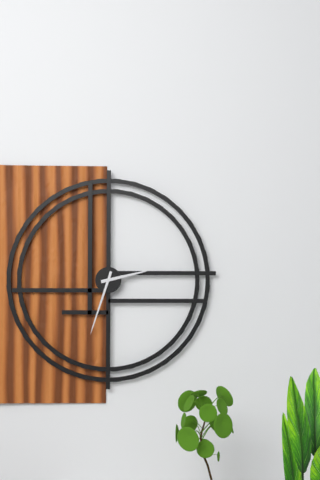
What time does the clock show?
2:33
